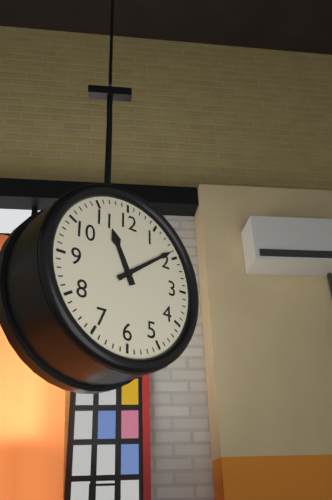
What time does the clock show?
11:09
